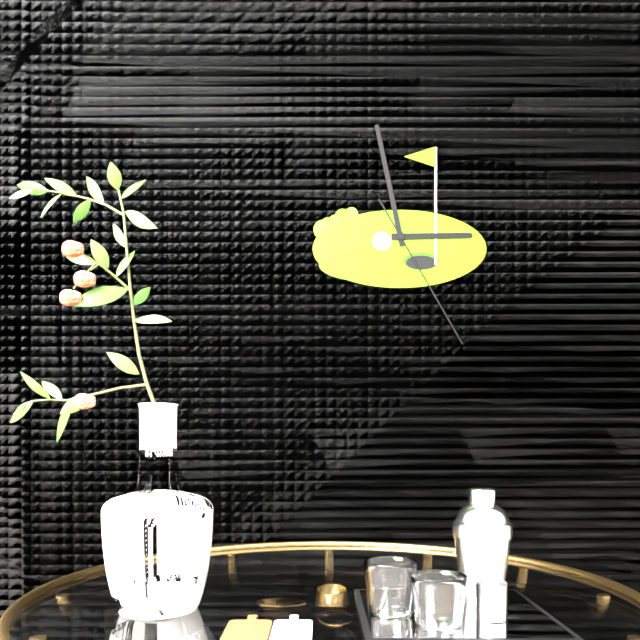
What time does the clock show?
2:58:25
